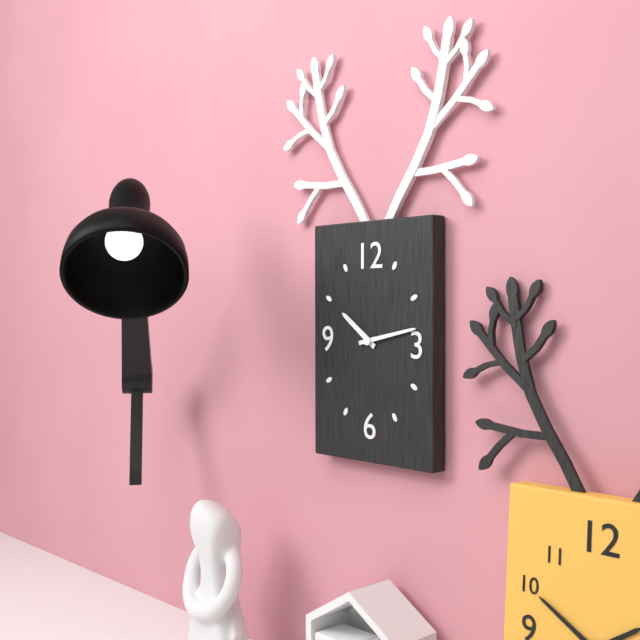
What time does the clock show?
10:13
